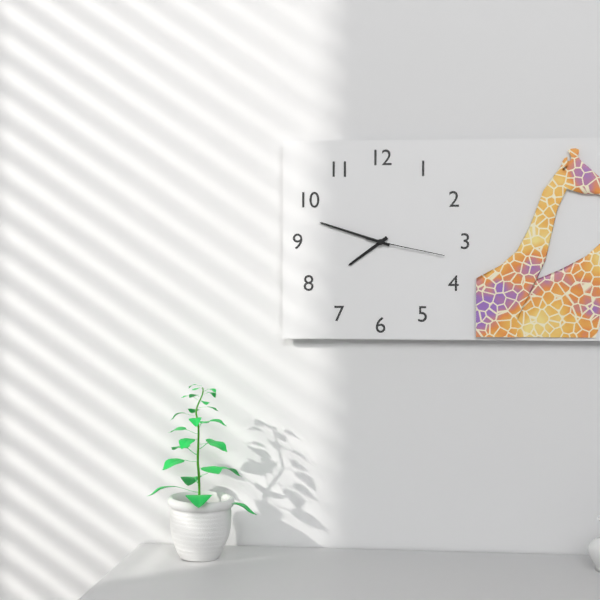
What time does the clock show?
7:48:17
